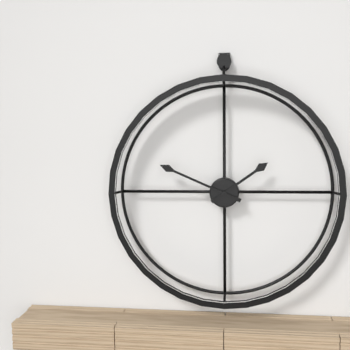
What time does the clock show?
1:49
